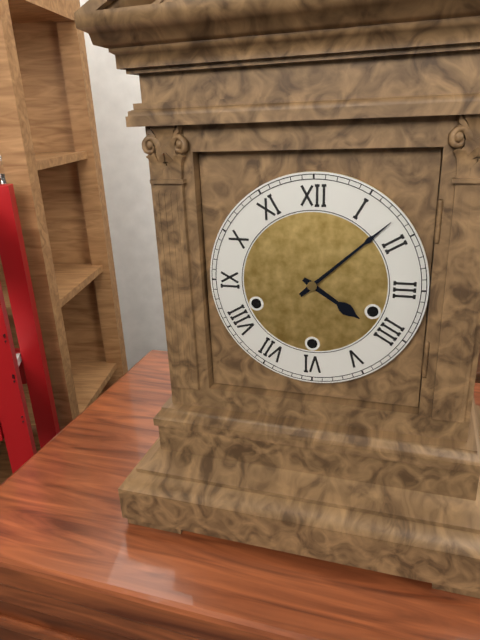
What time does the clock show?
4:08
